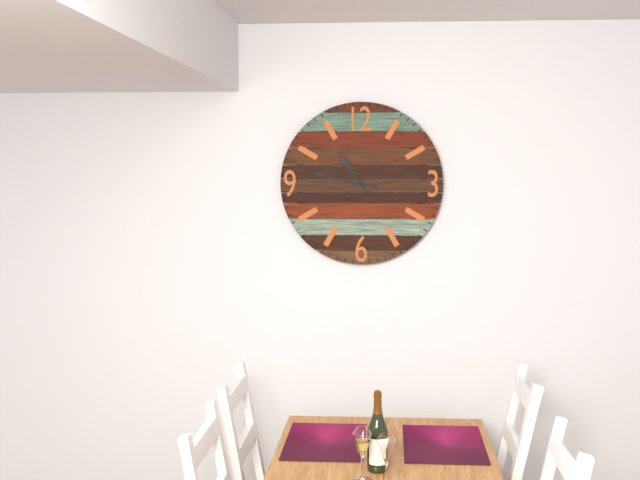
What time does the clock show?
10:47
